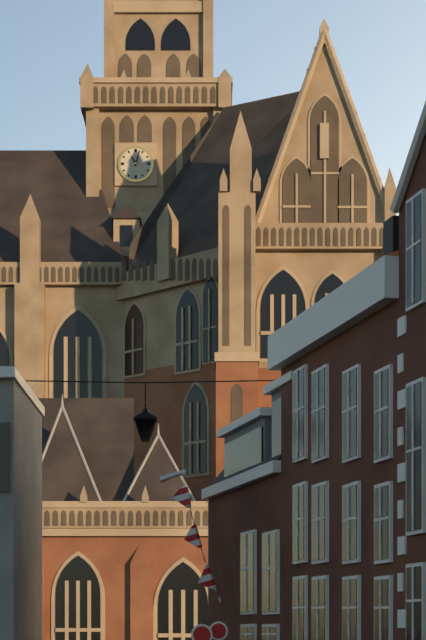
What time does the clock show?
11:03
